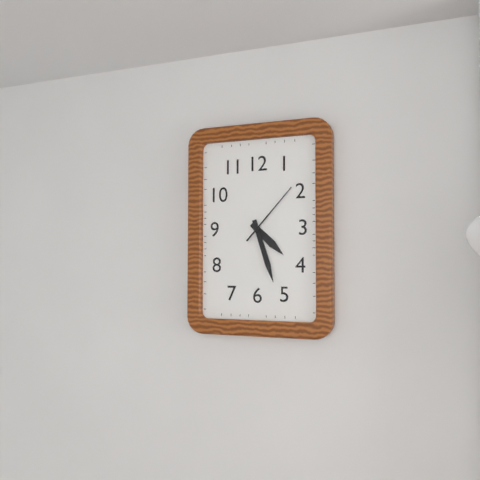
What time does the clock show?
4:27:07
